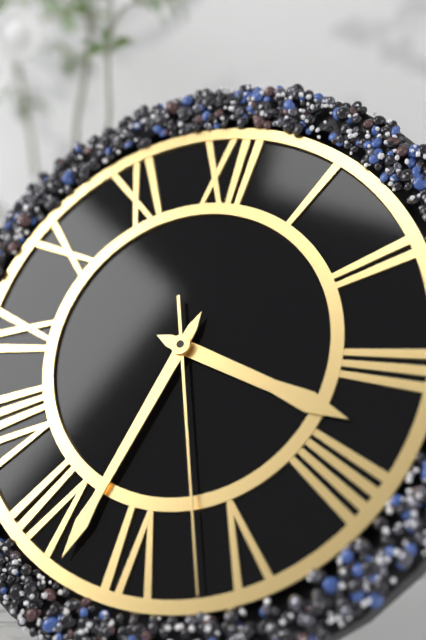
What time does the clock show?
3:33:27
